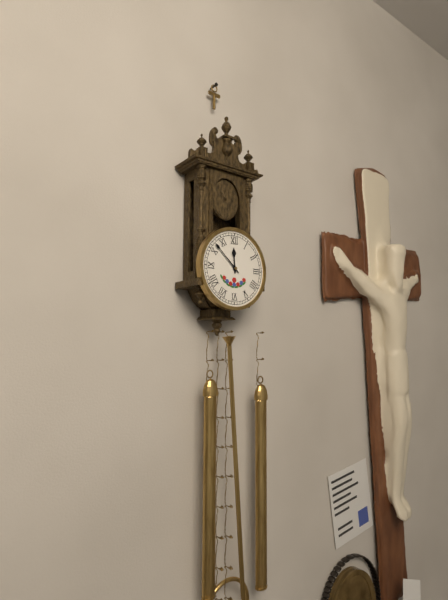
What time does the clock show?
11:52
